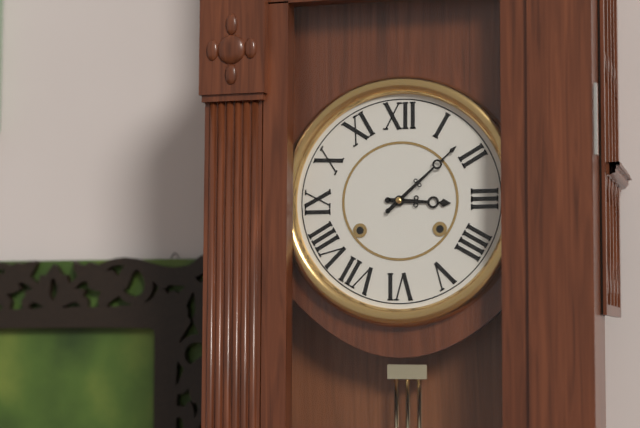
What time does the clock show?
3:08
